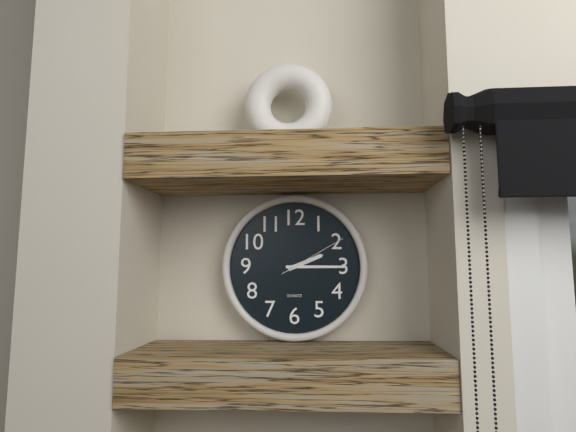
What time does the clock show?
2:15:10
